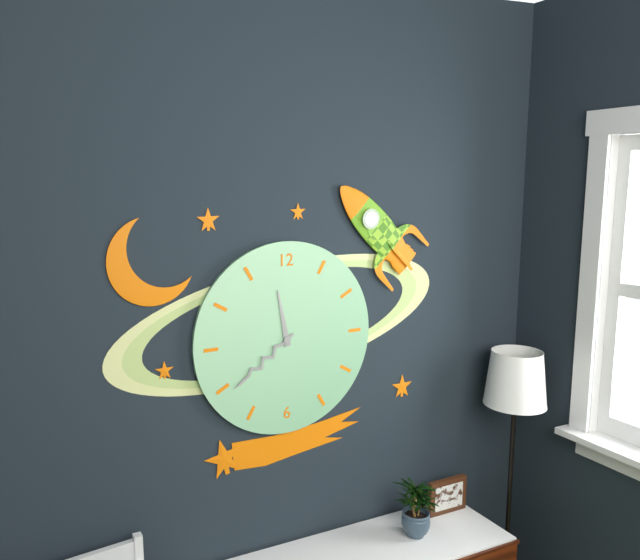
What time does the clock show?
11:39
